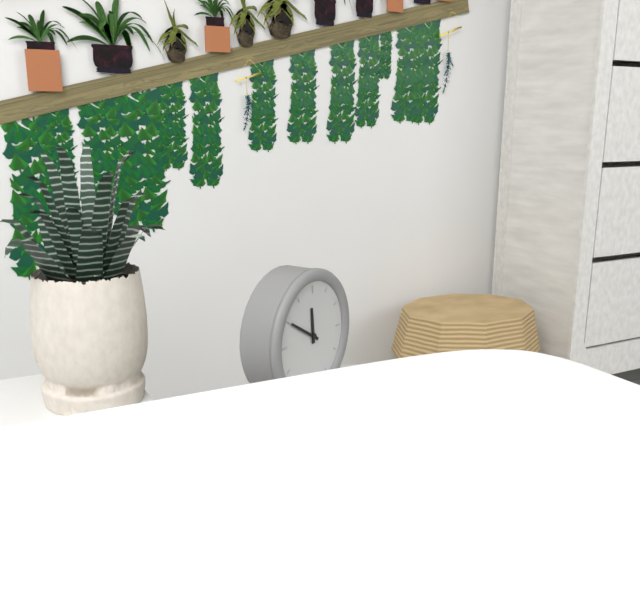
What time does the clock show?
11:50
